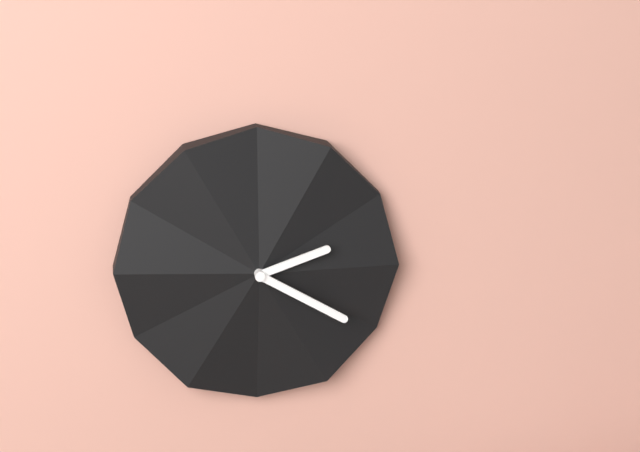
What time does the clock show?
2:20
